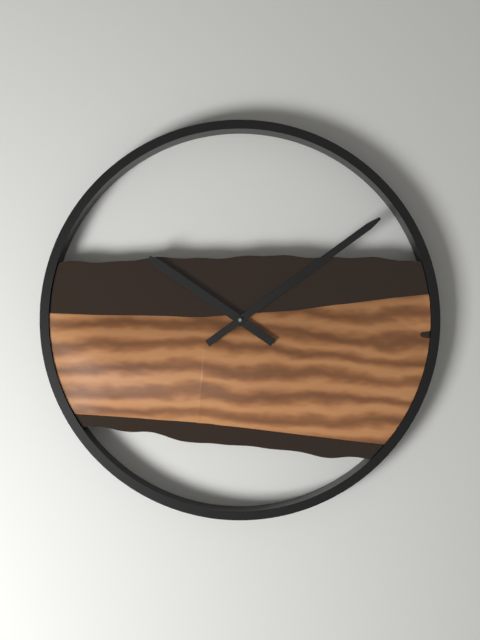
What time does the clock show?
10:09
